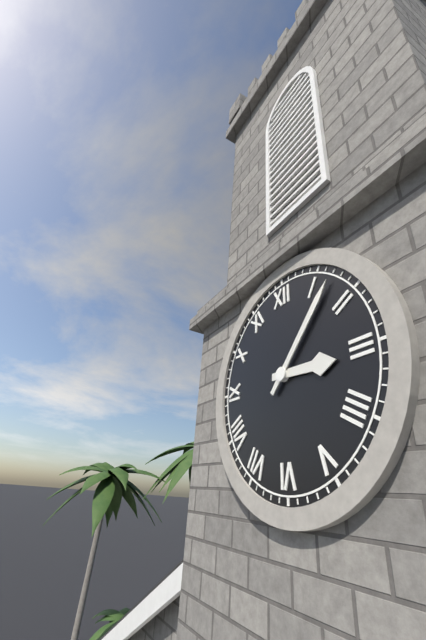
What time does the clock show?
3:07
